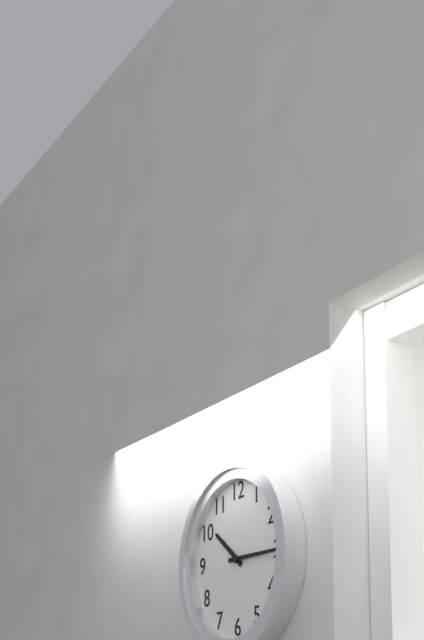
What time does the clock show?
10:15
